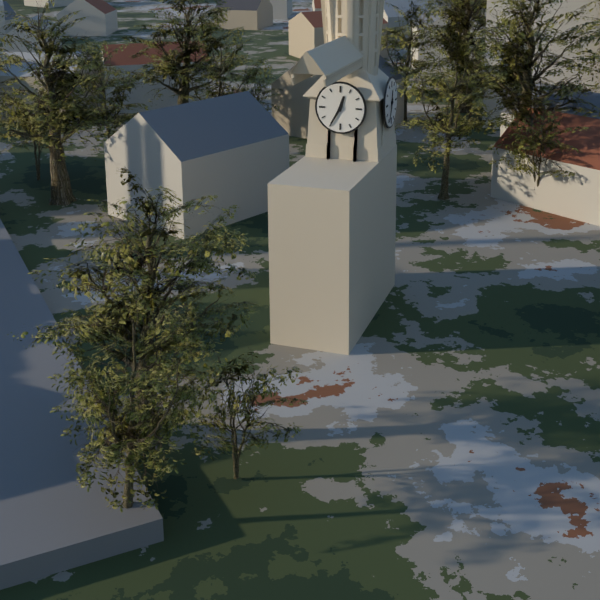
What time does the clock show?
12:35
